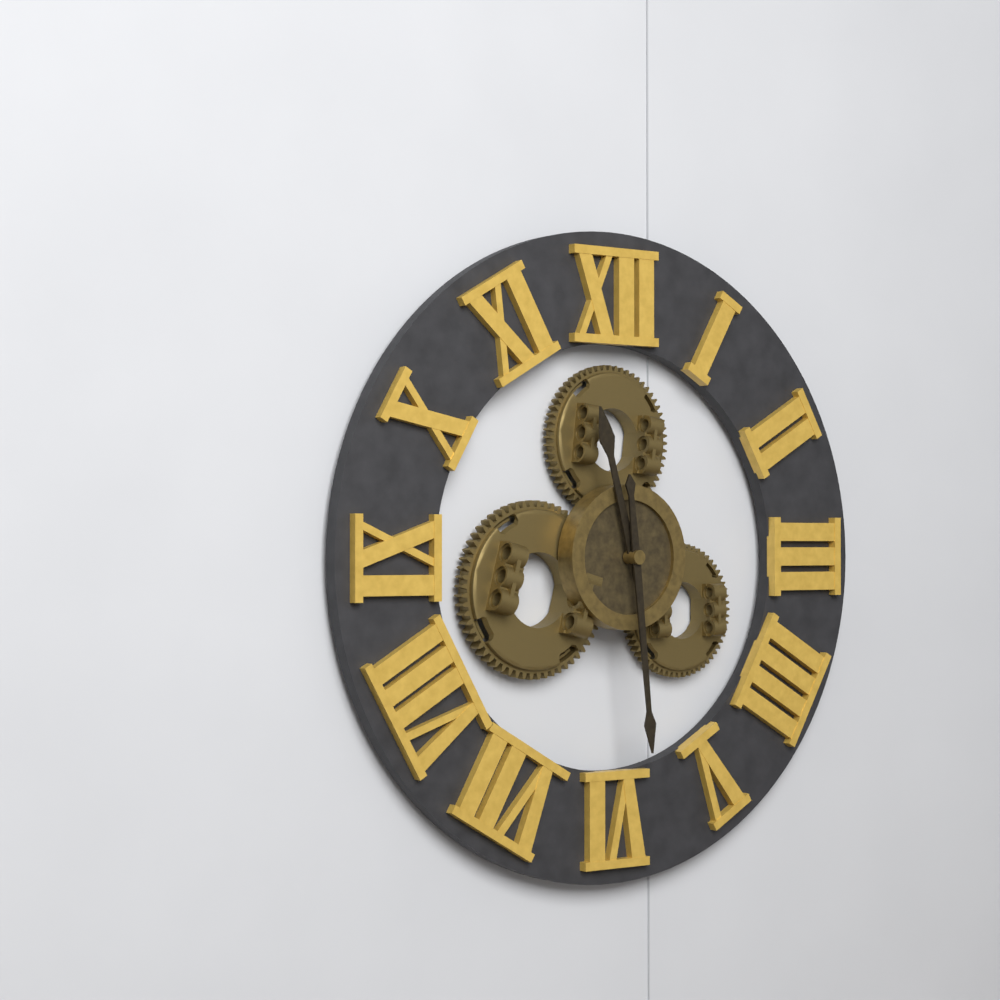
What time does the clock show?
11:29
